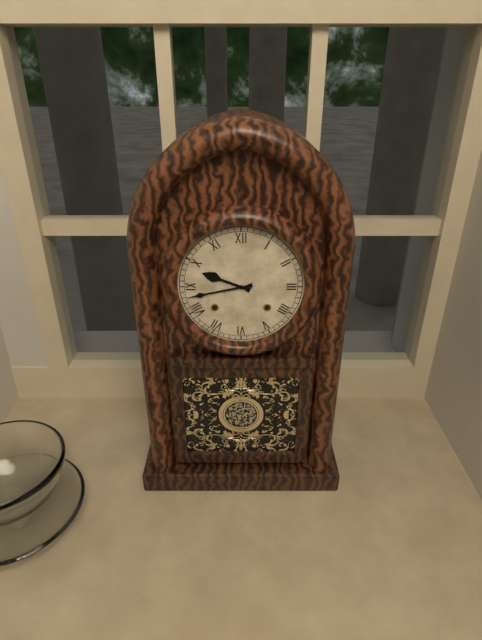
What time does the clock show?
9:43
